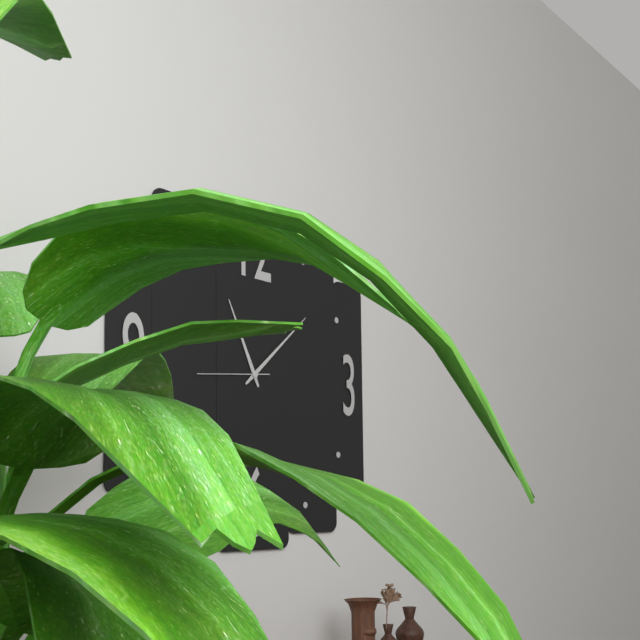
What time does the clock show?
11:08:44
